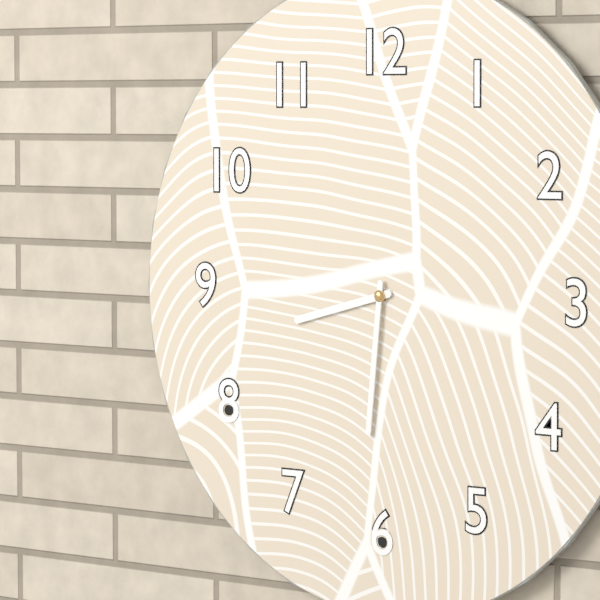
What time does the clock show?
8:31
